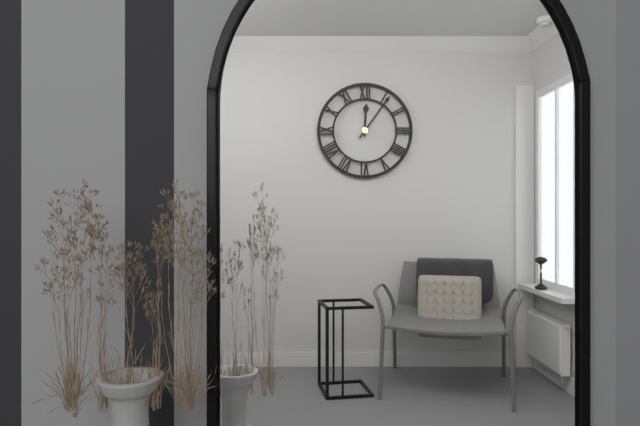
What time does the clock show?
12:06
